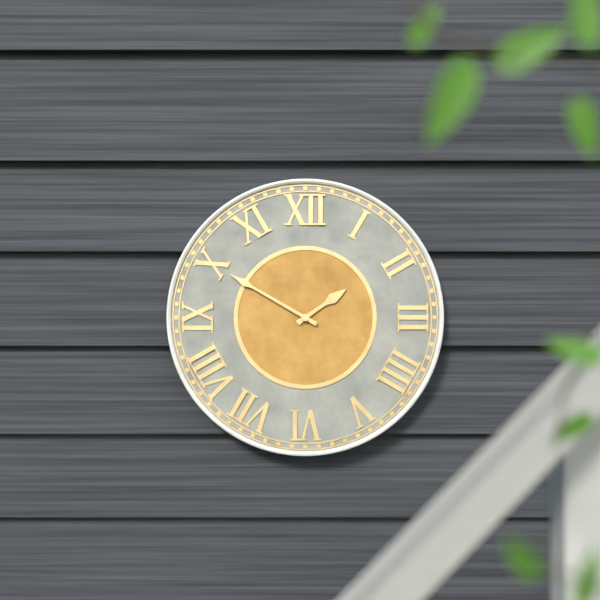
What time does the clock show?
1:50
